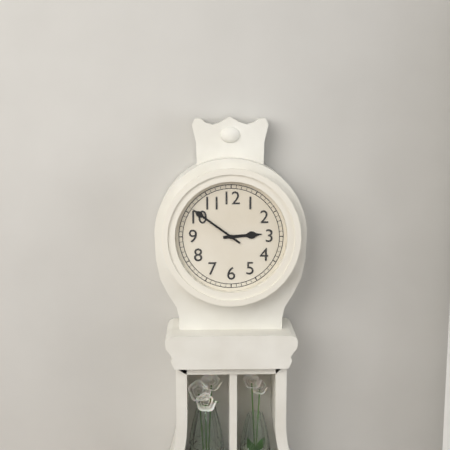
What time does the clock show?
2:51
